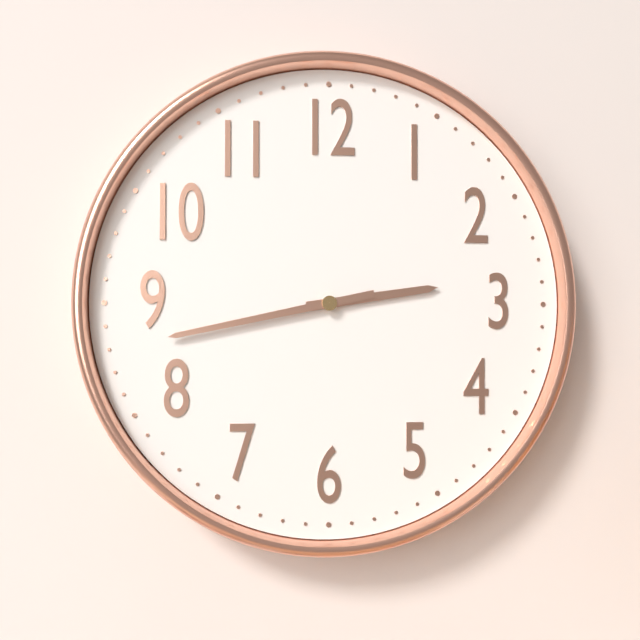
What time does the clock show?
2:43
